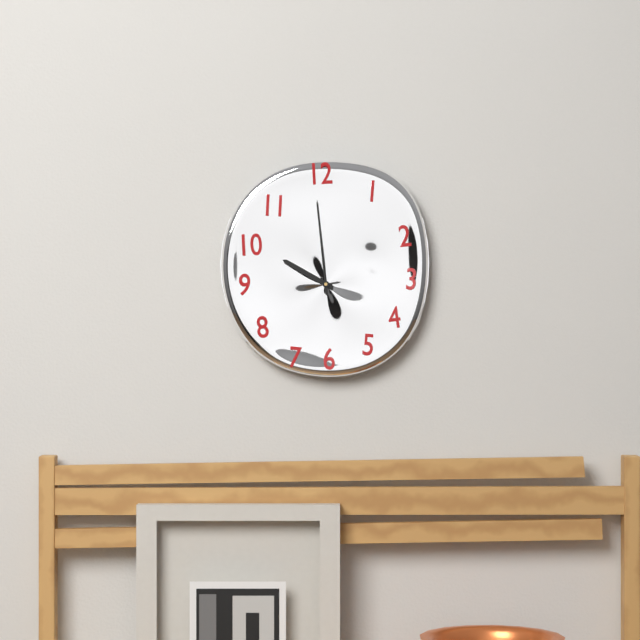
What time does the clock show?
9:59
